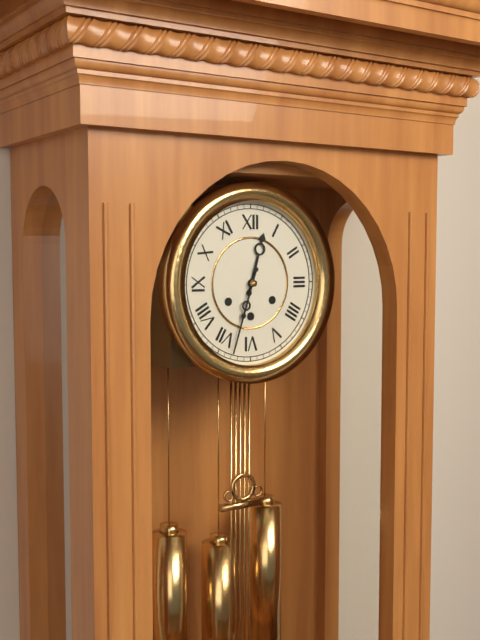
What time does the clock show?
12:33
